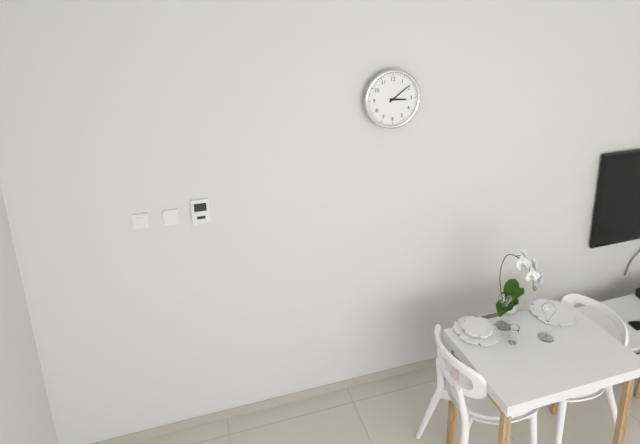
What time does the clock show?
3:09
